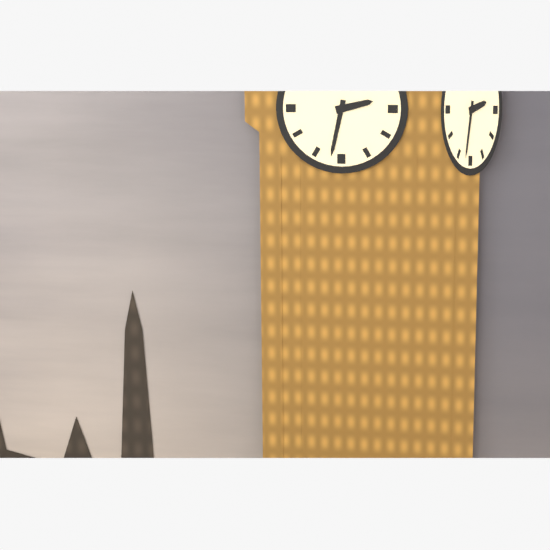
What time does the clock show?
2:32
